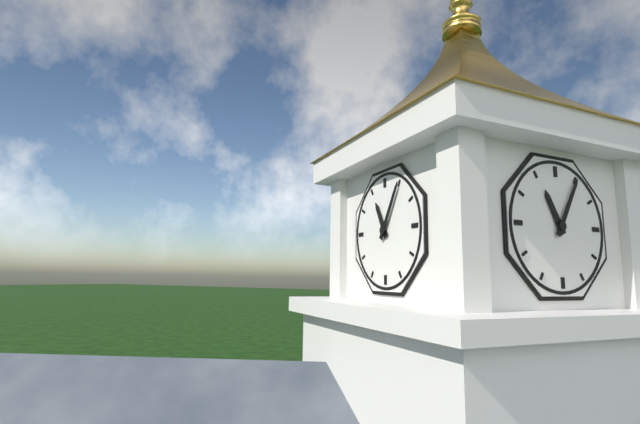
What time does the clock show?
11:05
